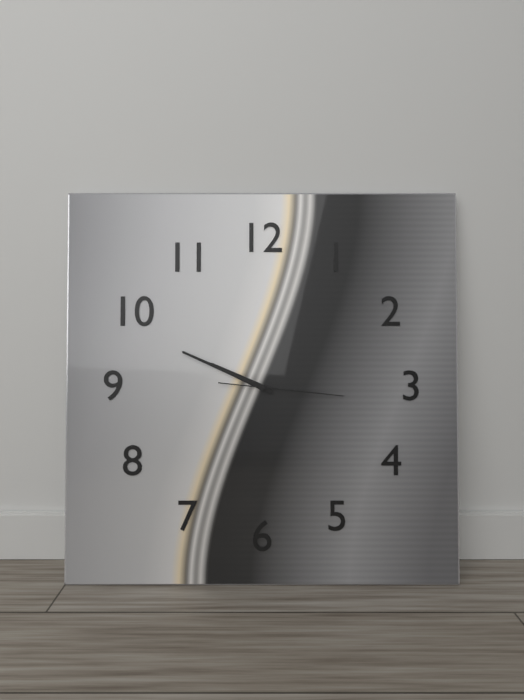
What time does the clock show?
9:49:16
